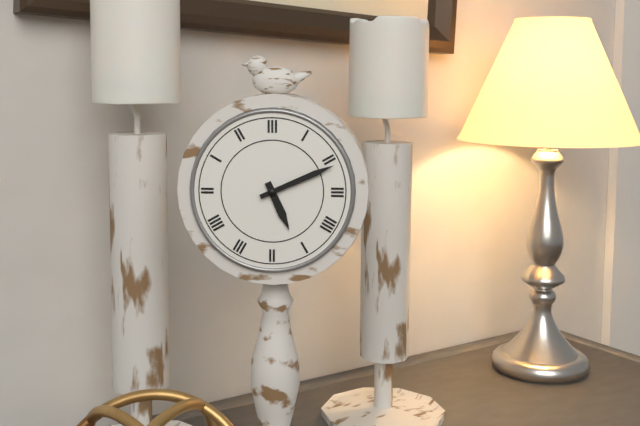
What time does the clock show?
5:11
